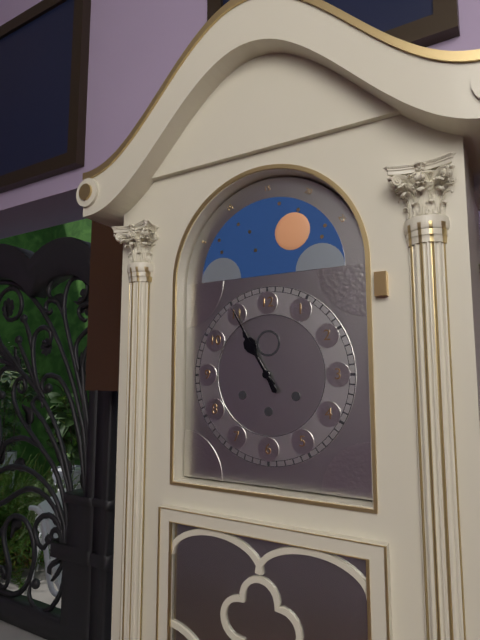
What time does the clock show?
10:55
